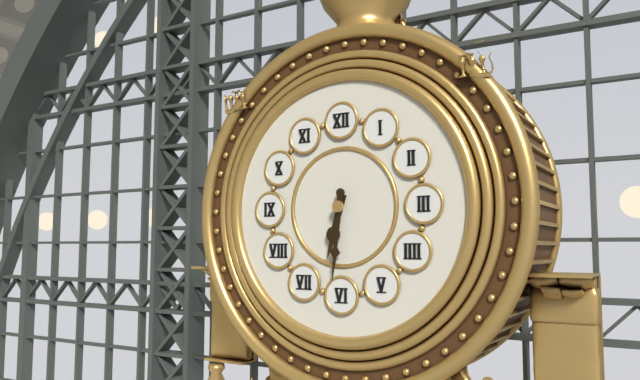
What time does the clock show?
6:31
